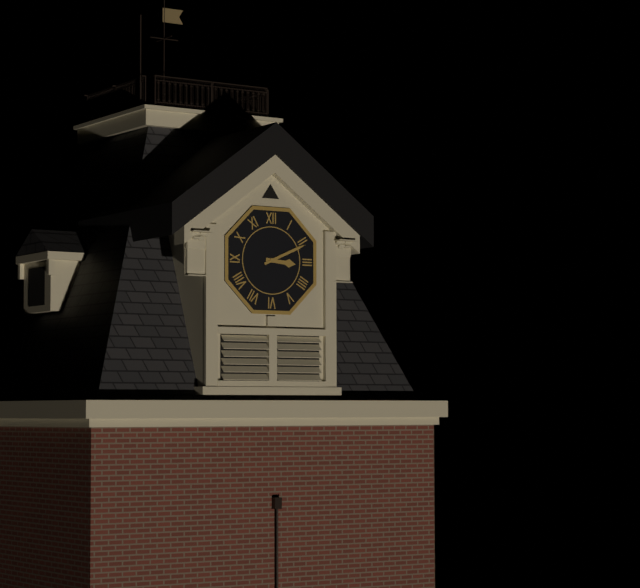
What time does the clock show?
3:11
